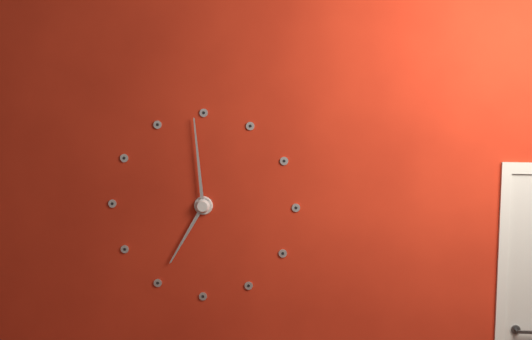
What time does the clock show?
6:59
